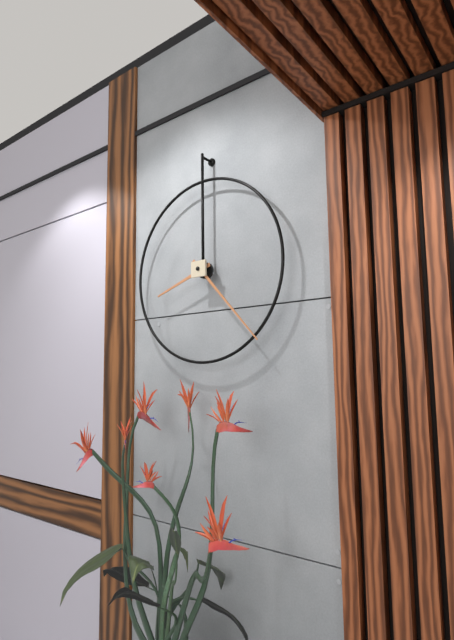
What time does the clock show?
8:23
